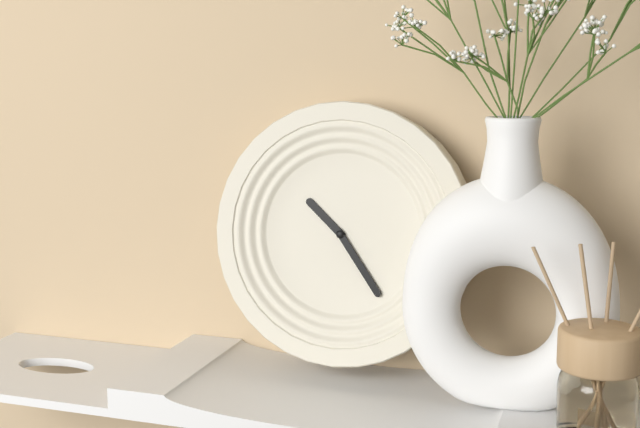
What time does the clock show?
10:24
